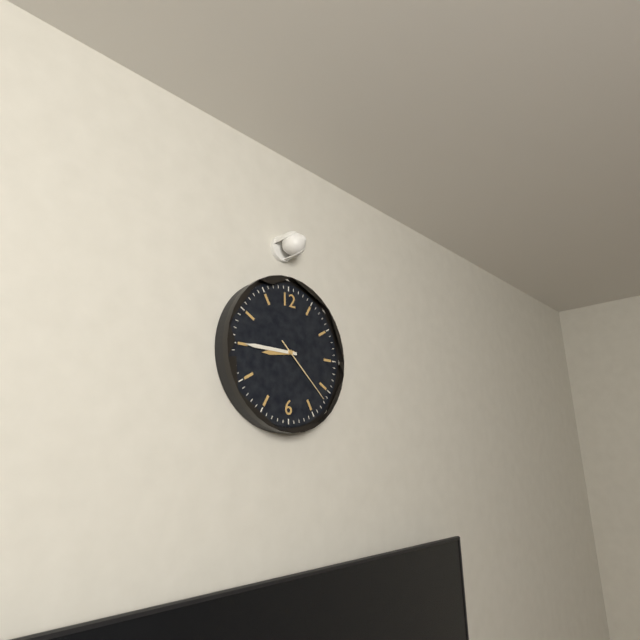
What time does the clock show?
8:45:22
